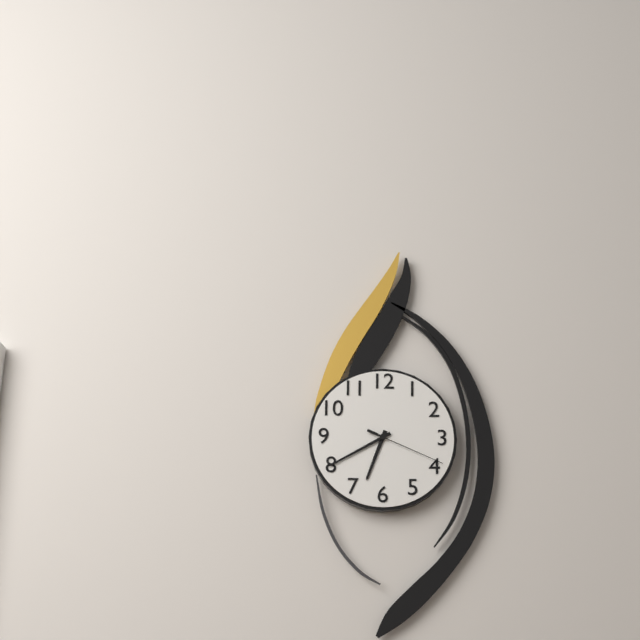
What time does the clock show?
6:40:19
